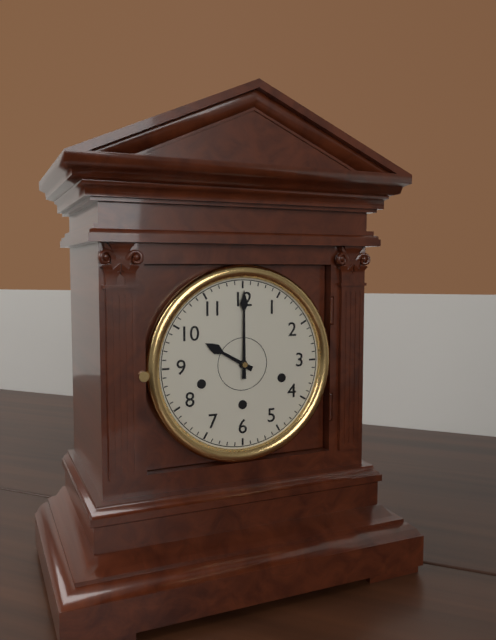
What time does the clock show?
10:00
